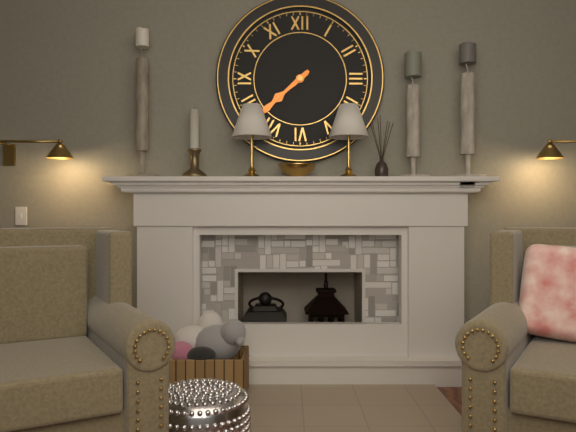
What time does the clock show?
7:38
